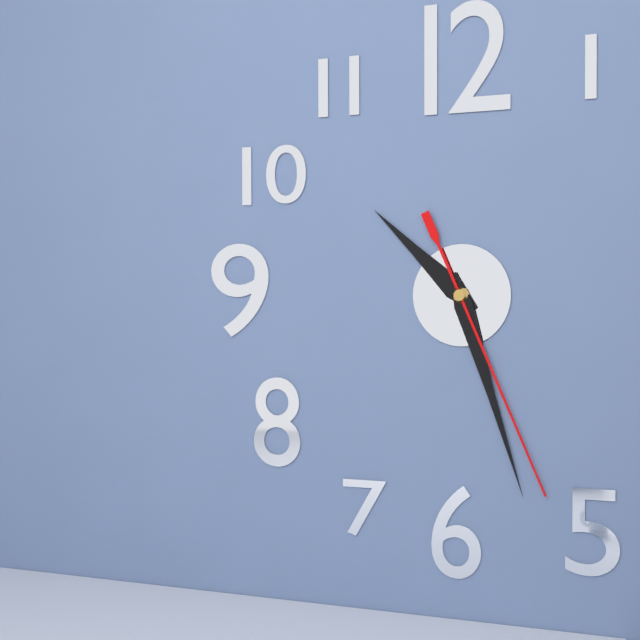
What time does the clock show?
10:27:26
